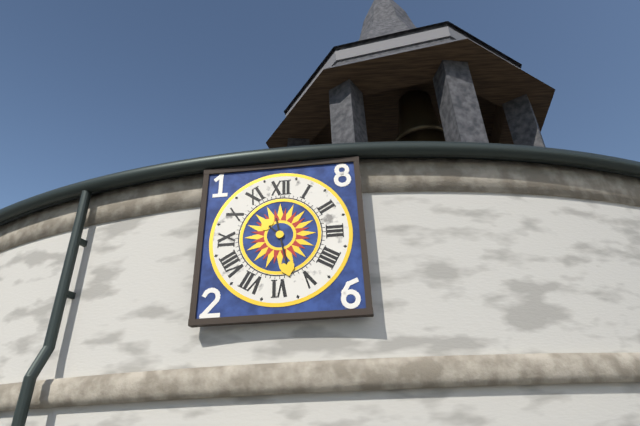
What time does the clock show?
10:28
